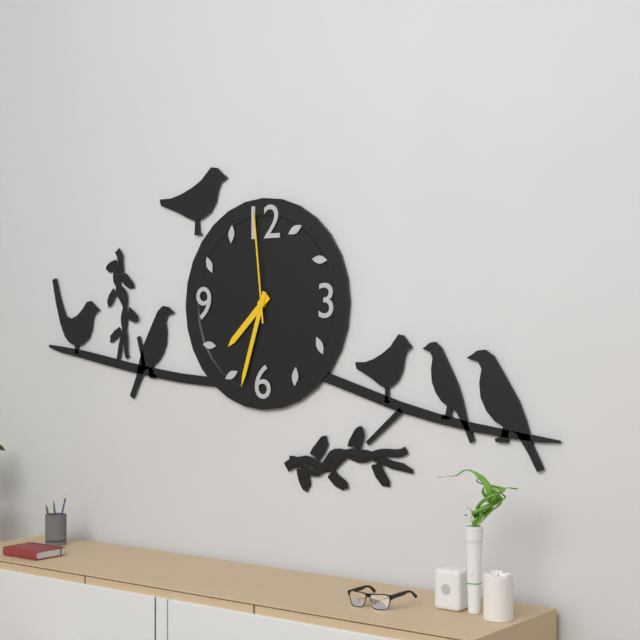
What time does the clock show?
7:33:59
